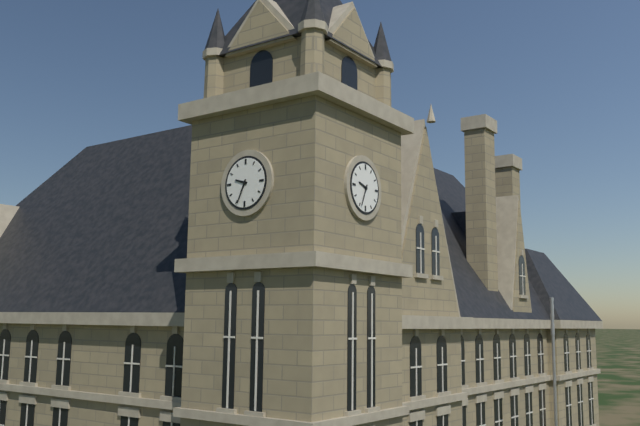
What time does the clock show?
9:34
